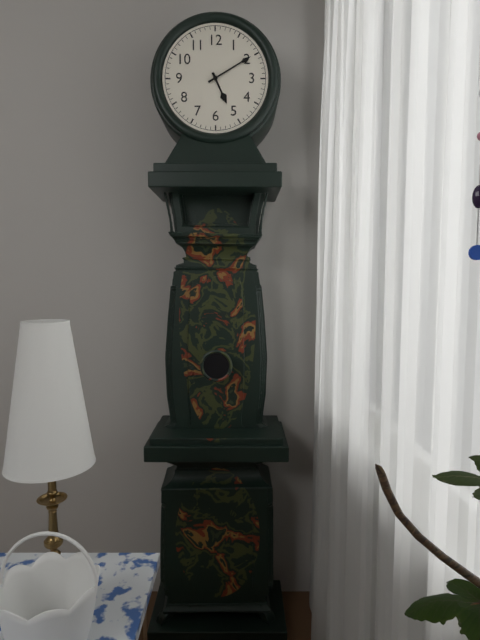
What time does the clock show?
5:10
